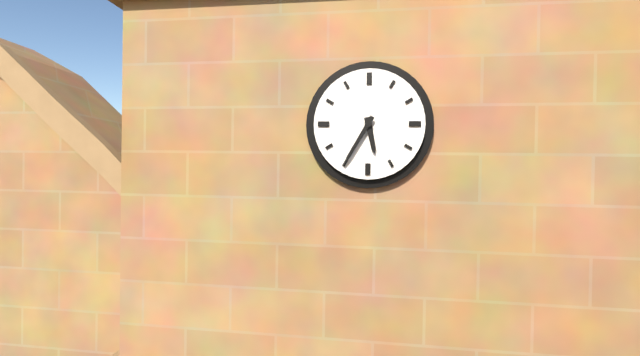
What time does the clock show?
5:35
